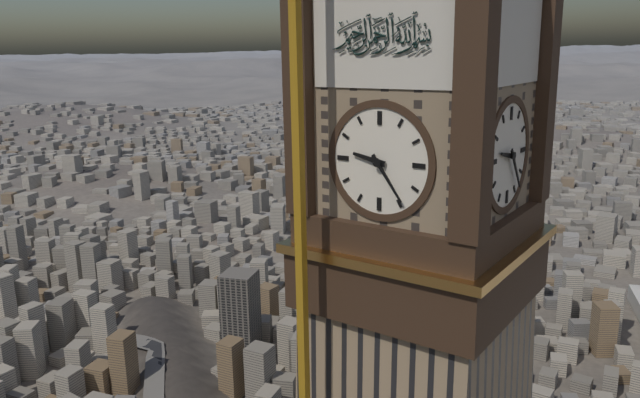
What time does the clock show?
9:24
